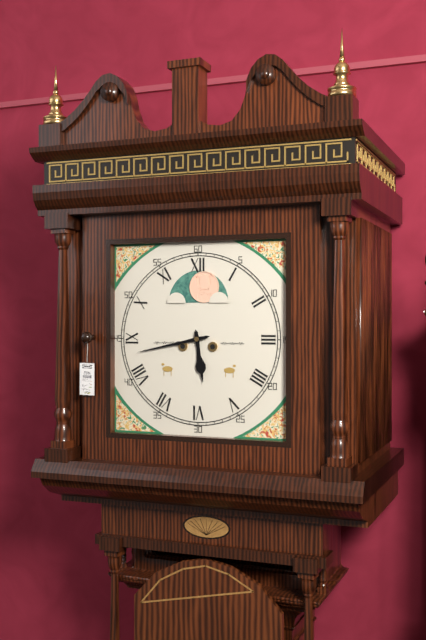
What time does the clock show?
5:43
